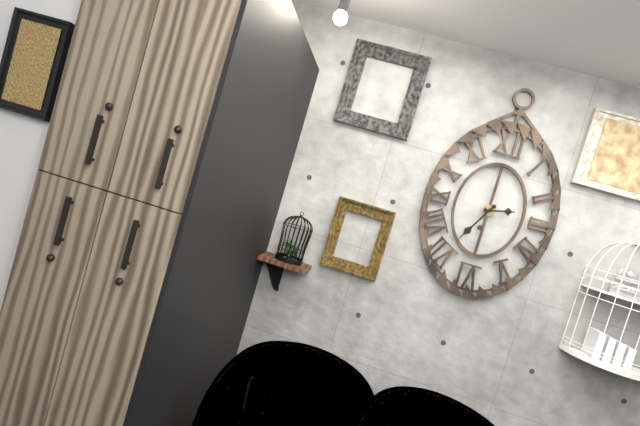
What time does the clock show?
2:35
